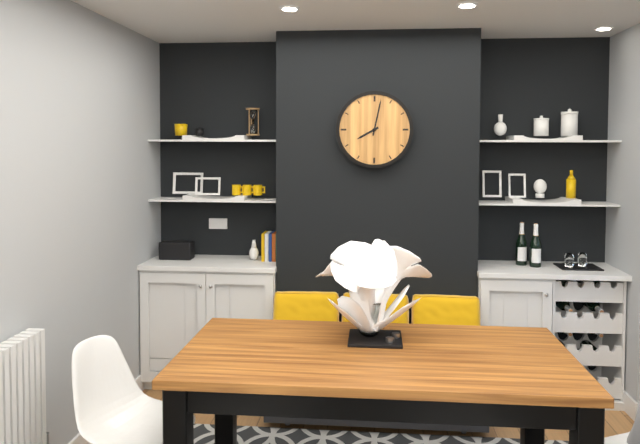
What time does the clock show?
8:02
